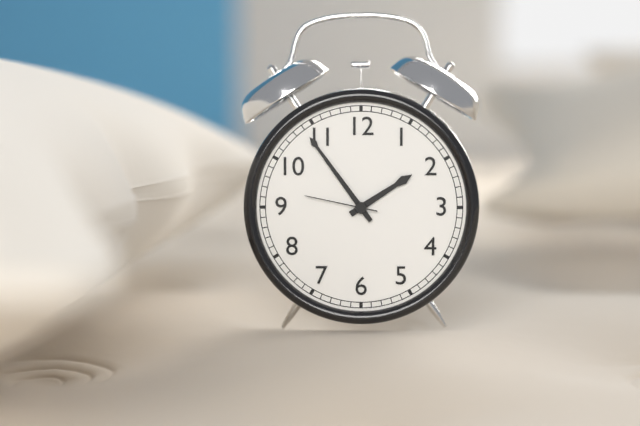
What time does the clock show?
1:54:47
